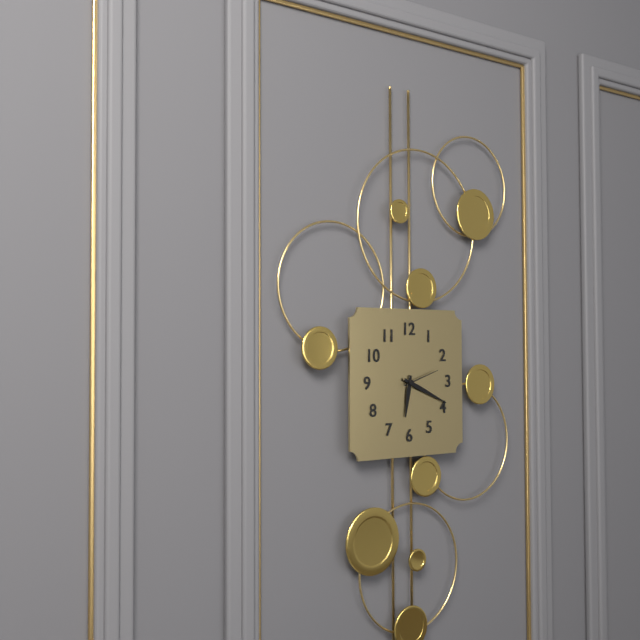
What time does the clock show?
6:19
